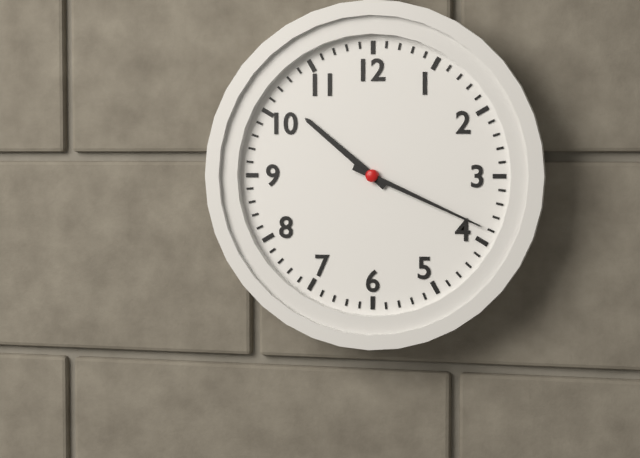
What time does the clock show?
10:19
